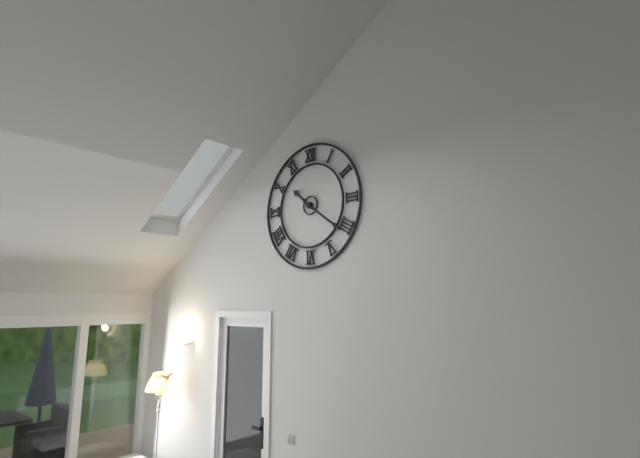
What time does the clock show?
10:21
